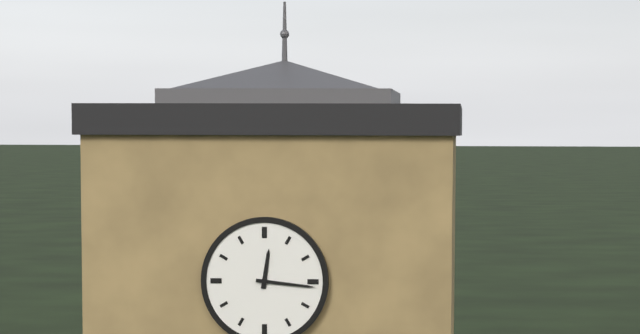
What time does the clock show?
12:16
